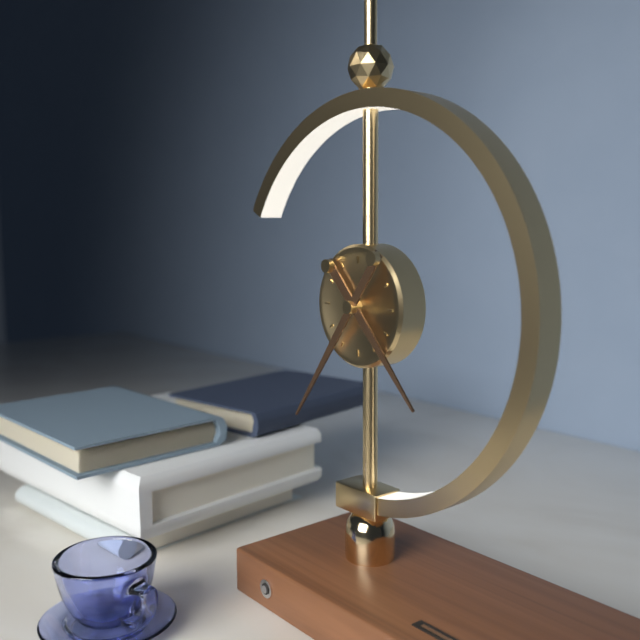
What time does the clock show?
4:36
